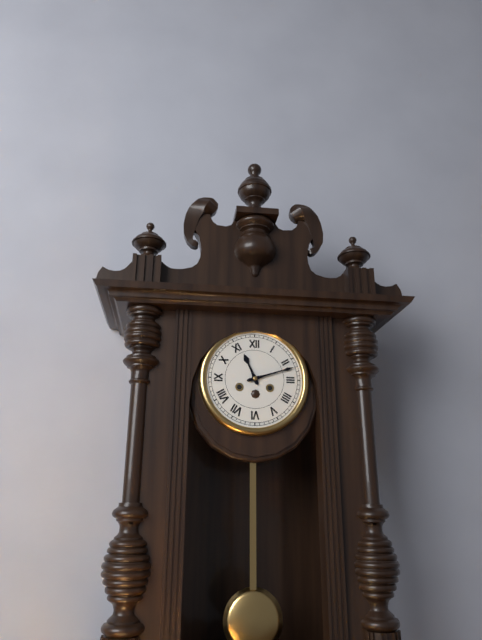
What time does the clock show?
11:12
